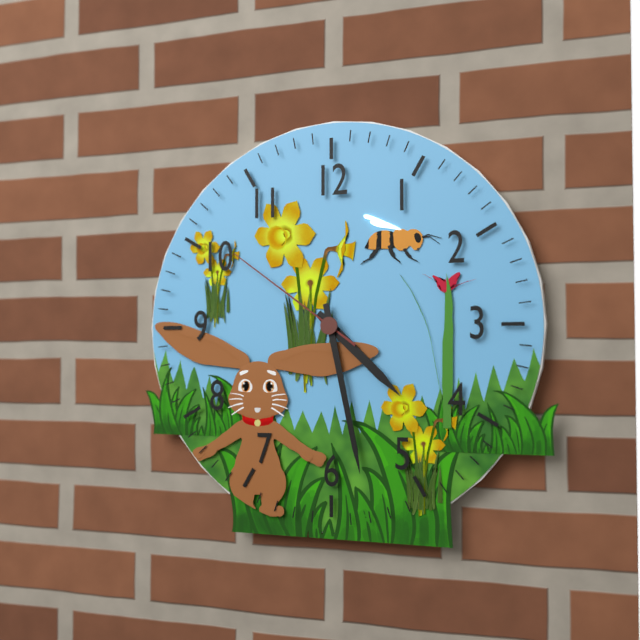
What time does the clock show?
4:28:51
